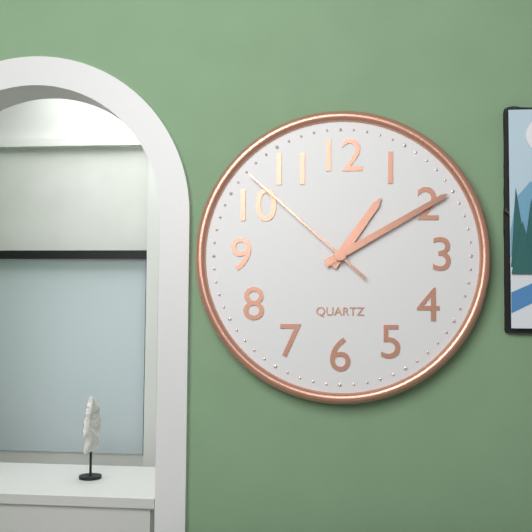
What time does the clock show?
1:10:52
